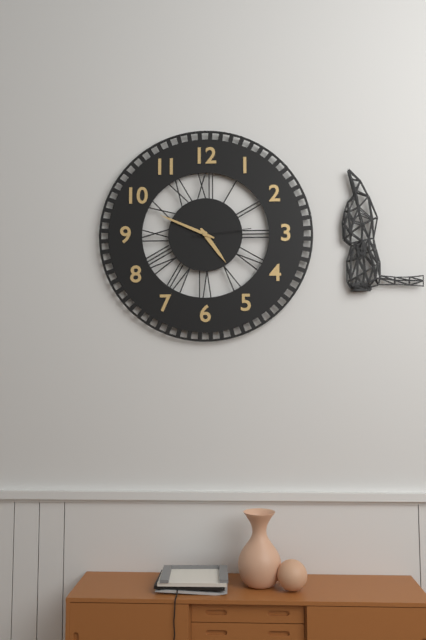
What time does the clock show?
4:49:14
